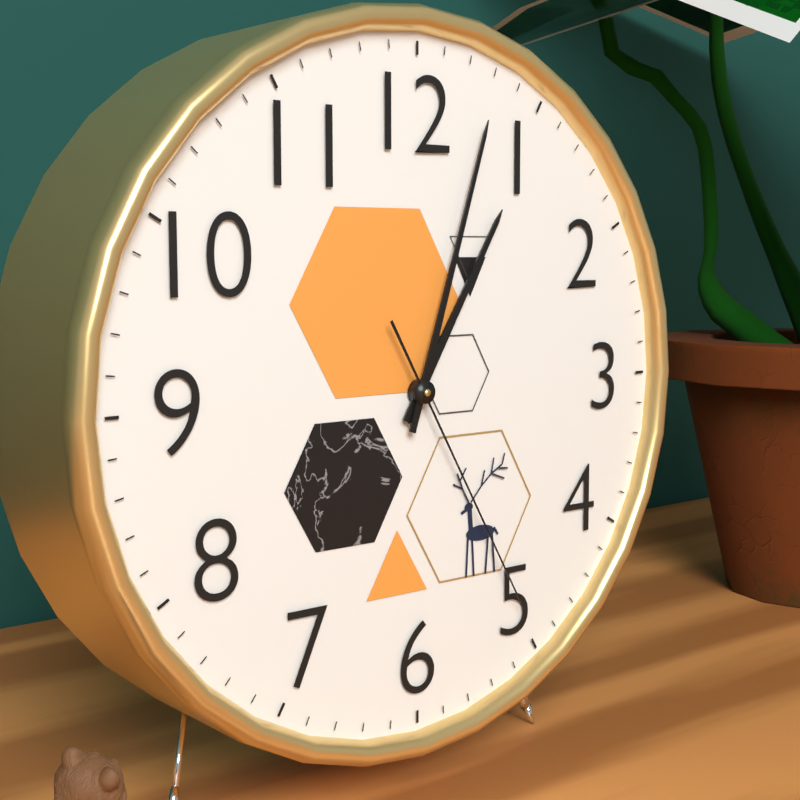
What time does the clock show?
1:03:25
